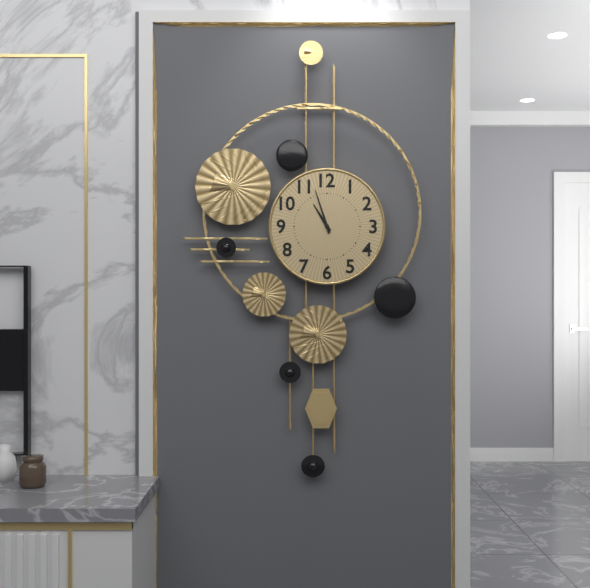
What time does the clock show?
10:57
